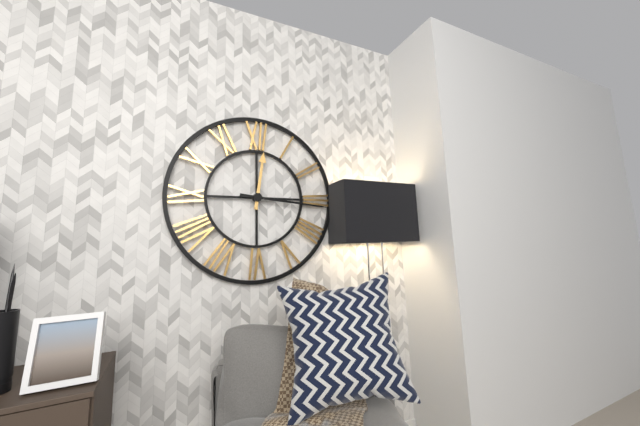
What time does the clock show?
12:16
